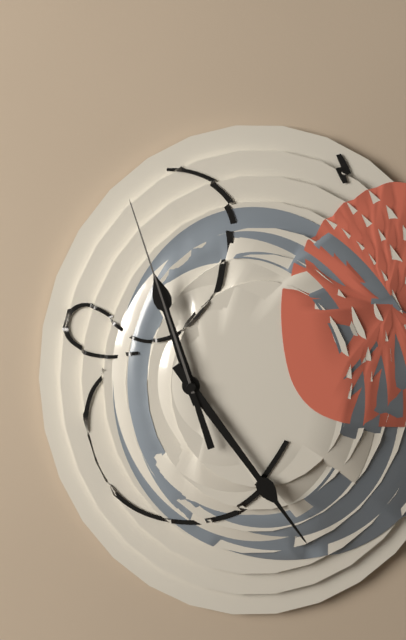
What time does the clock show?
11:24:57
